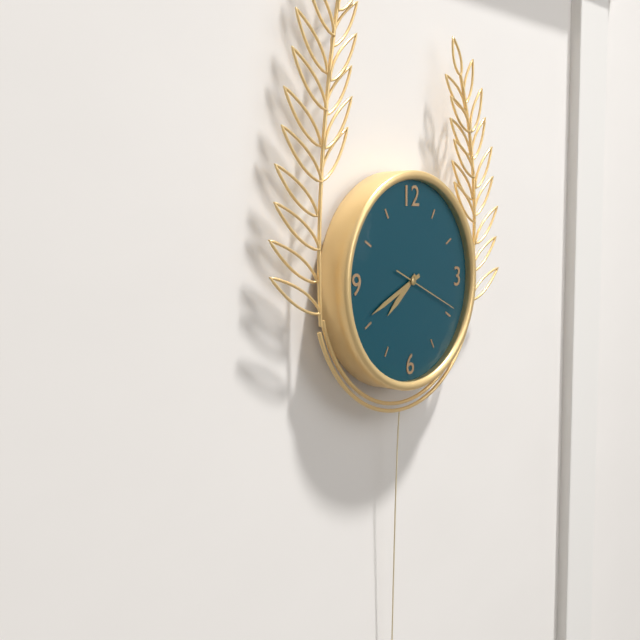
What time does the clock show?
7:41:19
